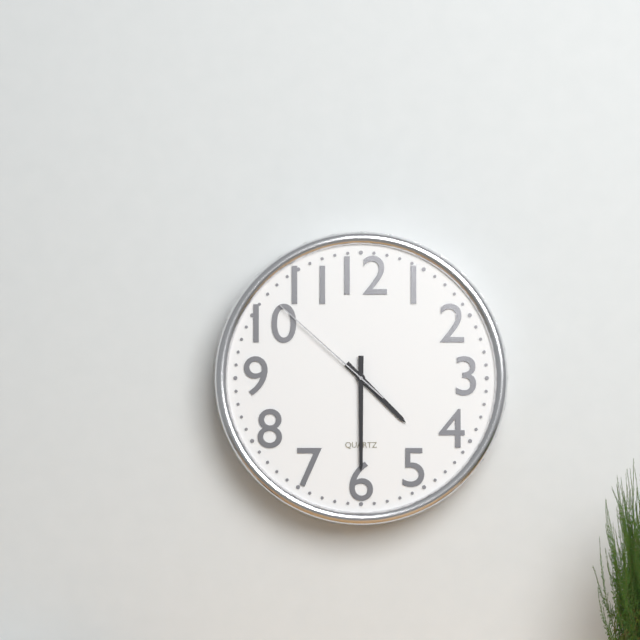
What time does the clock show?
4:30:52
